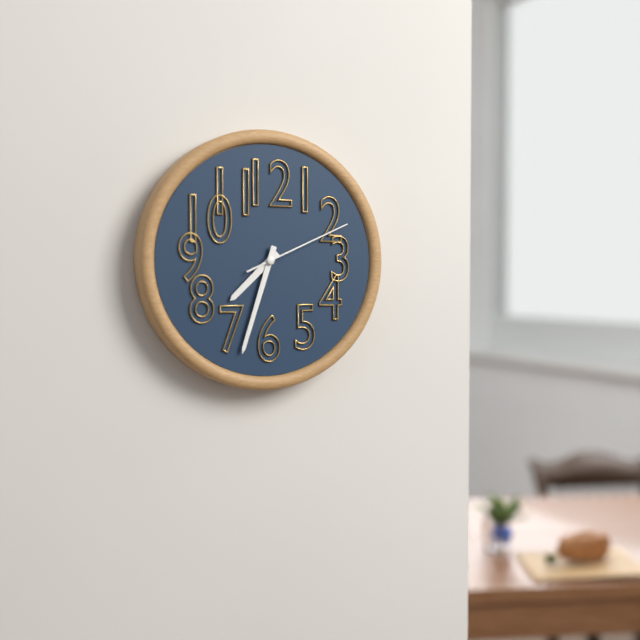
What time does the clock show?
7:33:11
